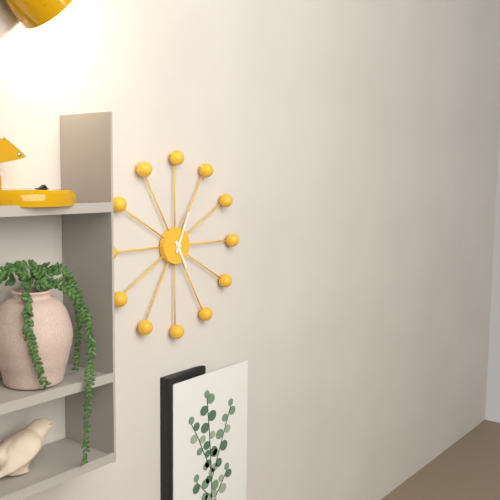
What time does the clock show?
5:04
